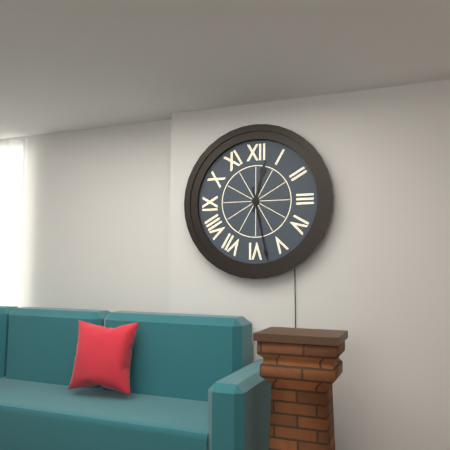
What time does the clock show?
12:28
